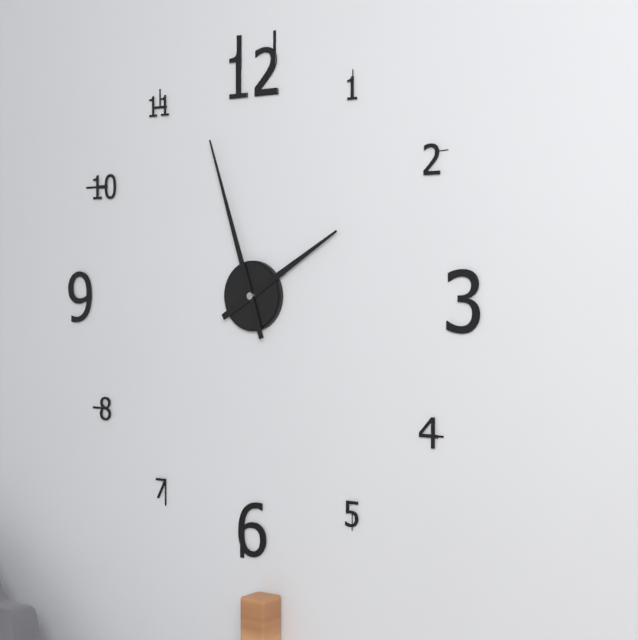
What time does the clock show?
1:57
